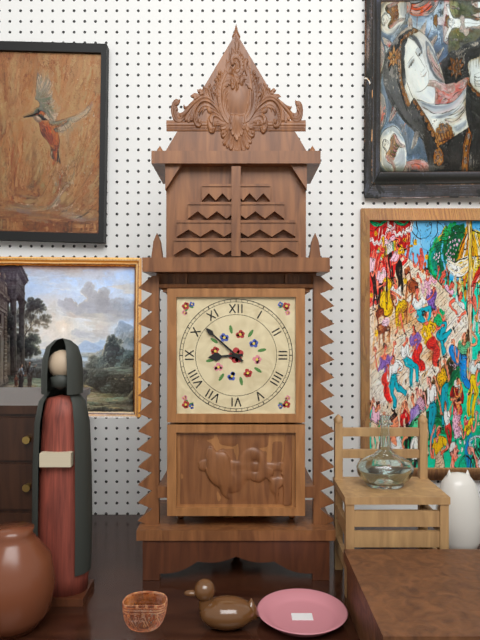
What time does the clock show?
8:52
